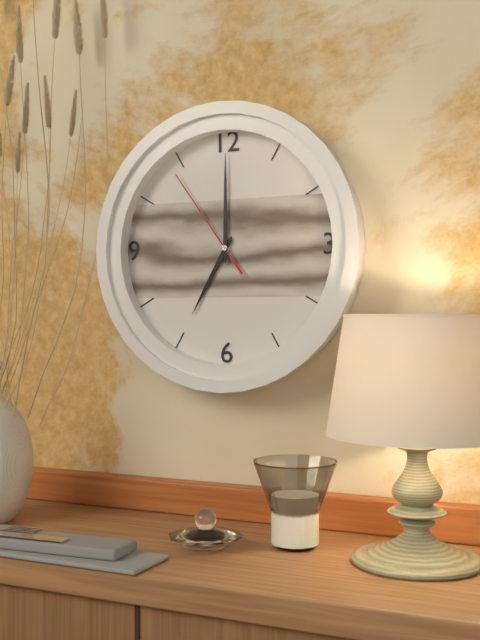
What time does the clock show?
7:00:54
